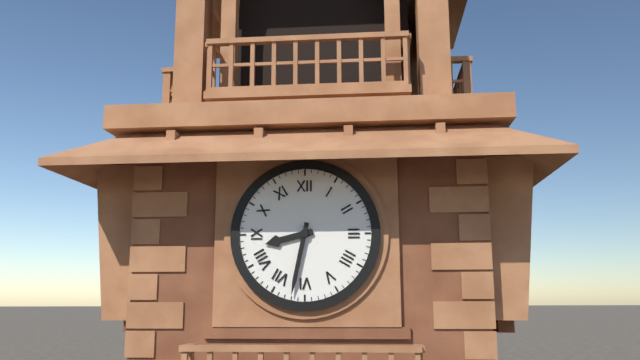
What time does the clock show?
8:32
